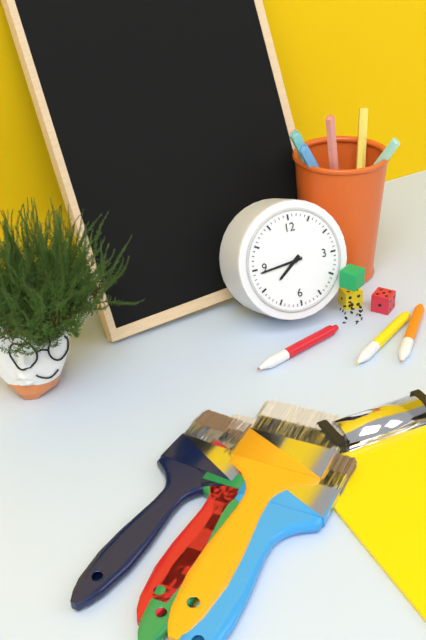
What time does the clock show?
7:44
